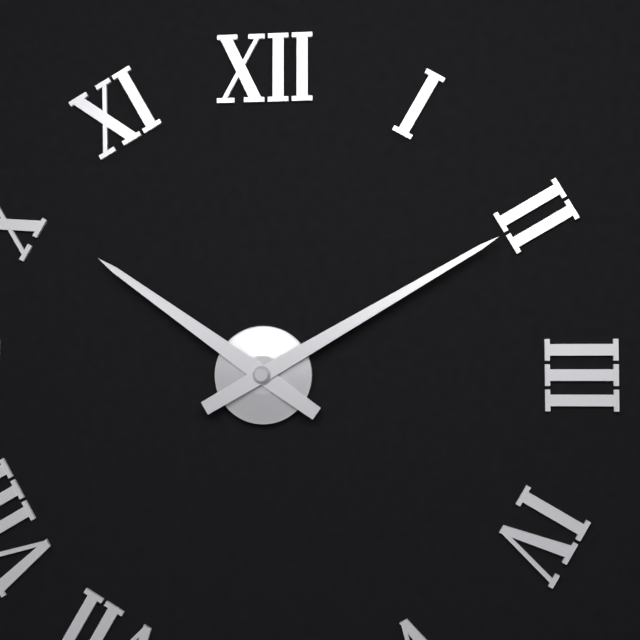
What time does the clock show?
10:10
